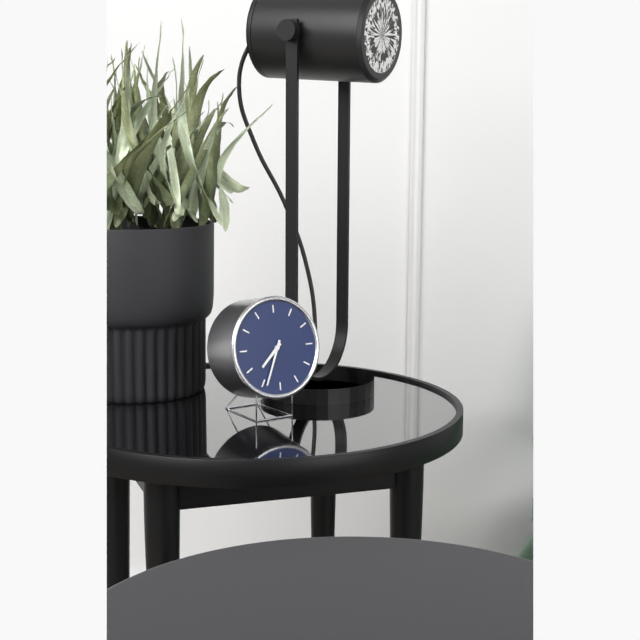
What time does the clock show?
7:34
